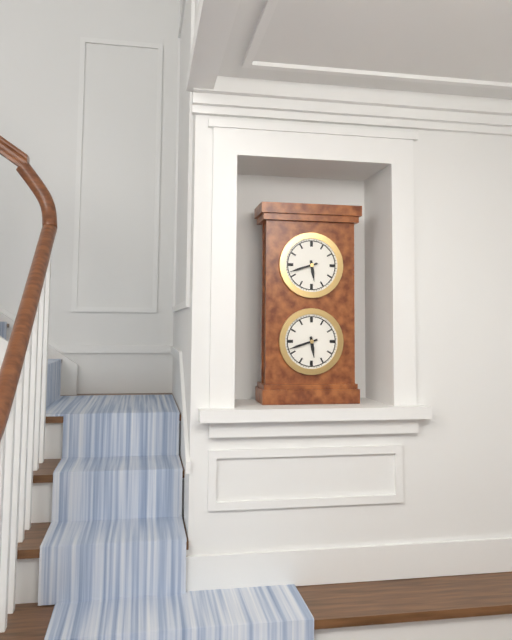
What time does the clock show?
5:42
